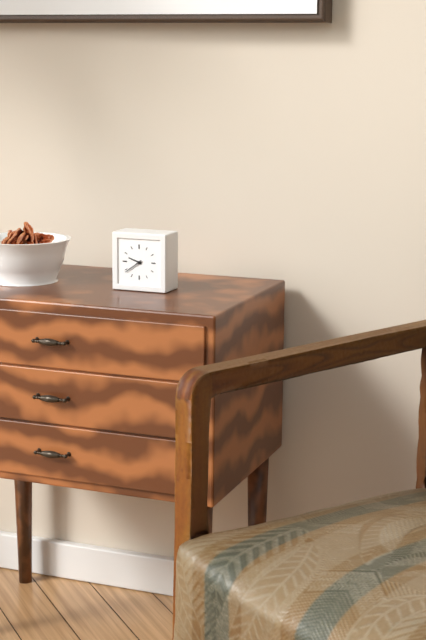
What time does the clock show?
9:39
